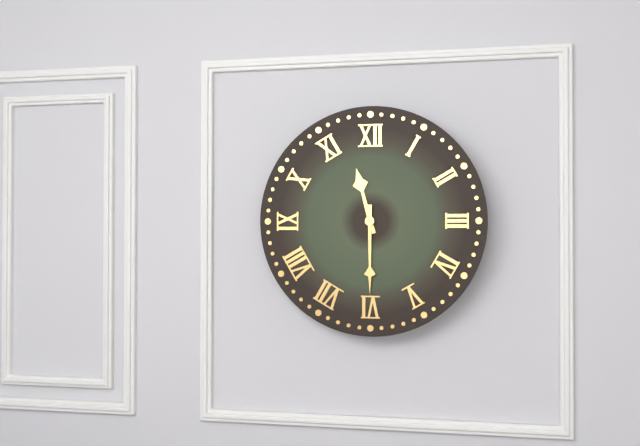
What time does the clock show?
11:30
